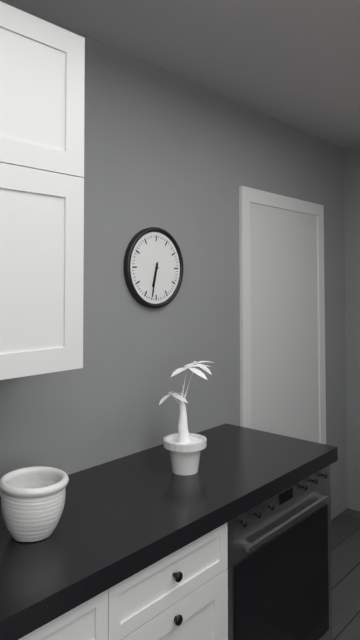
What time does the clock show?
6:32
